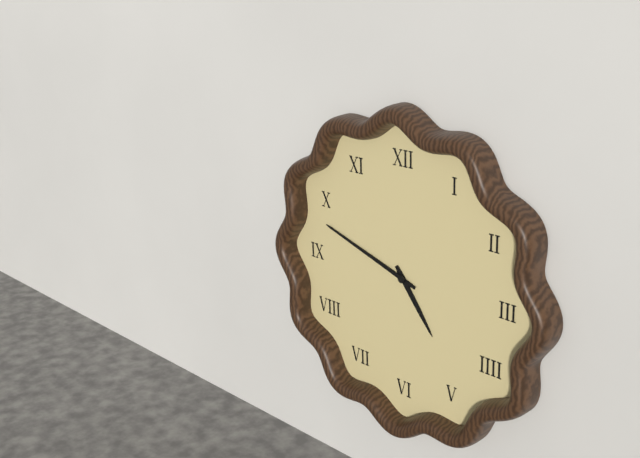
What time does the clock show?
4:48
